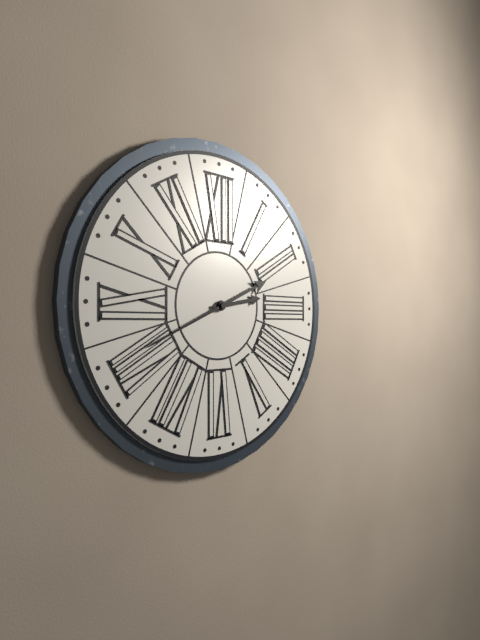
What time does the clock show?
2:41
